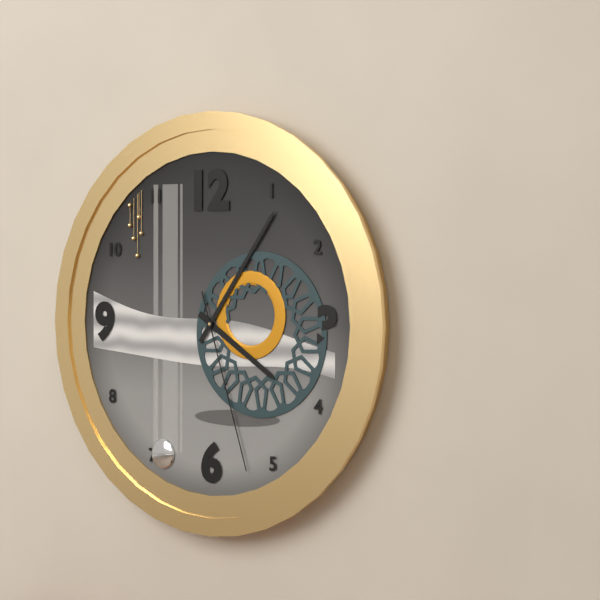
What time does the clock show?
4:06:27
